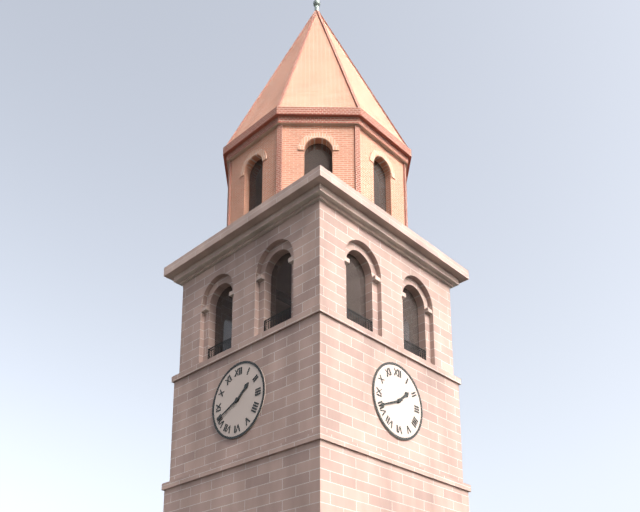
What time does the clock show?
1:41
